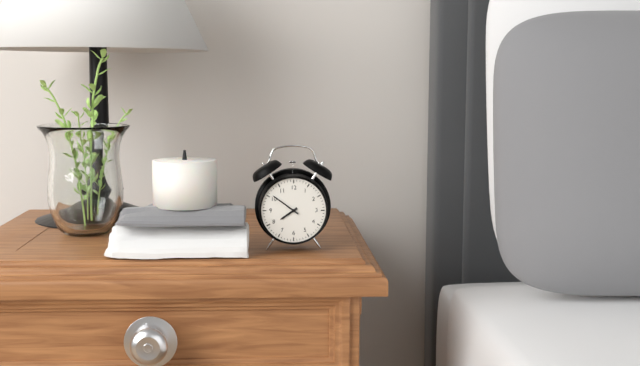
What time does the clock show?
7:51
